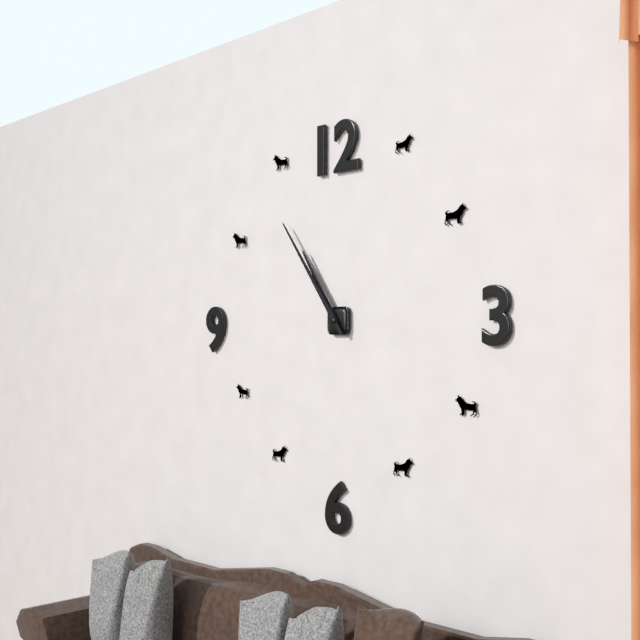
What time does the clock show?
10:54
